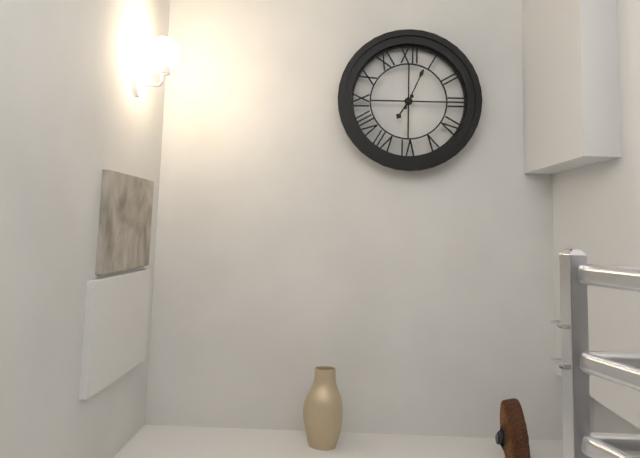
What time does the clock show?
7:04
